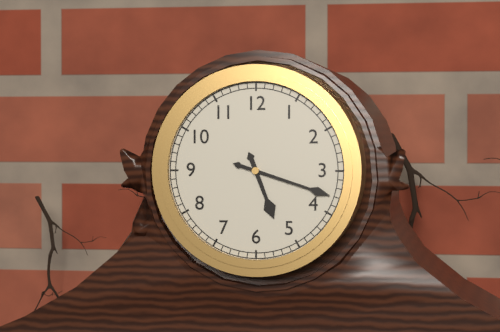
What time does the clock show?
5:18
